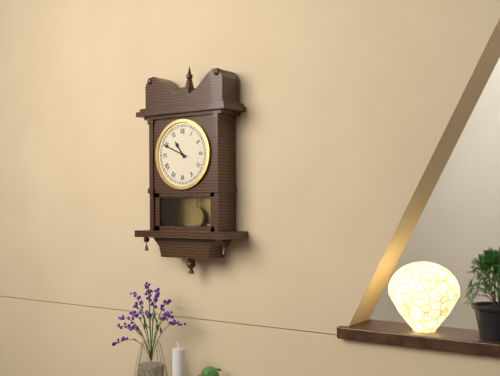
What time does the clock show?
10:49
